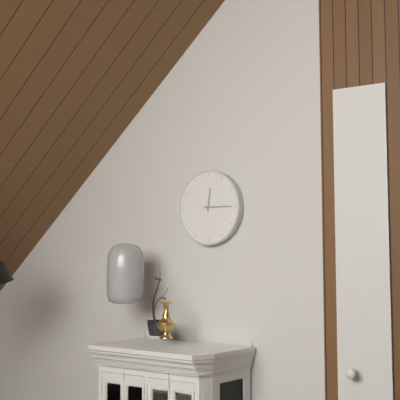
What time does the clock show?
12:15
